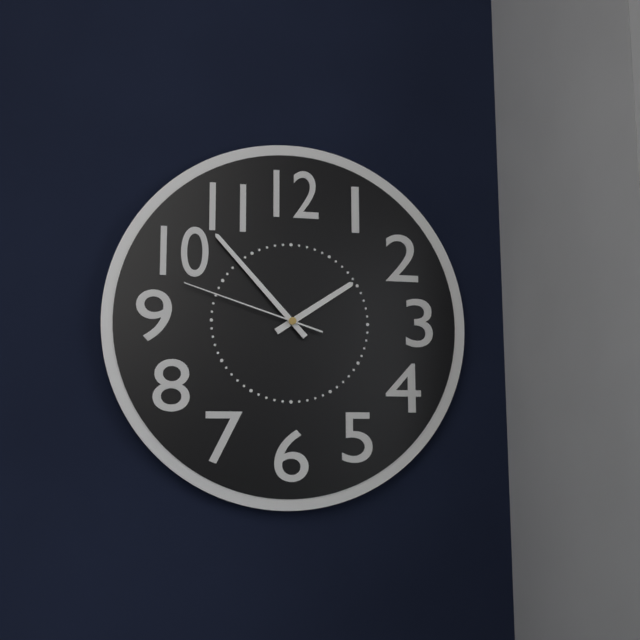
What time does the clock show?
1:53:48
